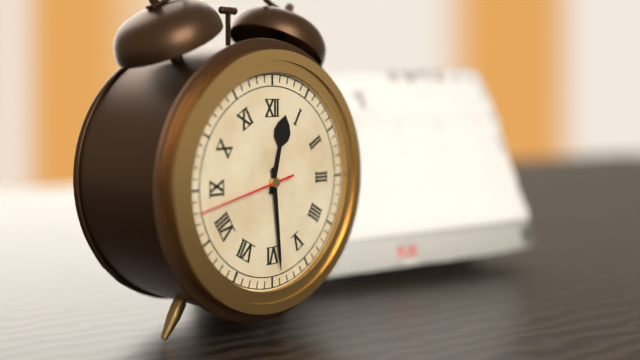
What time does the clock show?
12:29:43
